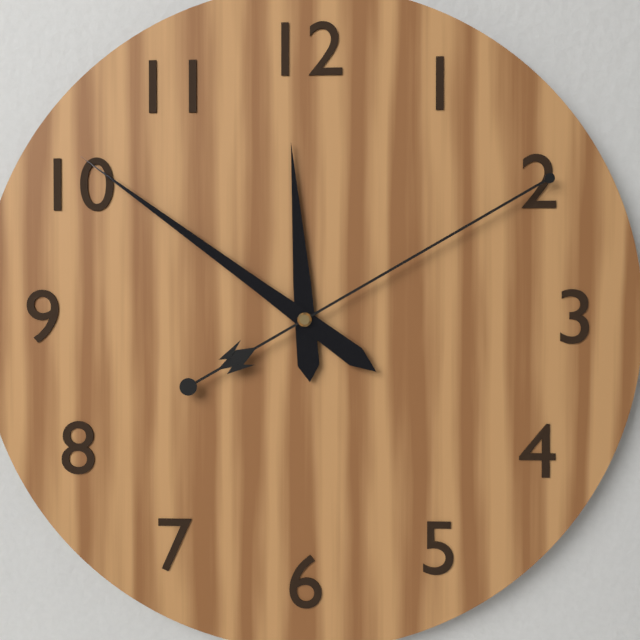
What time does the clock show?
11:51:10
